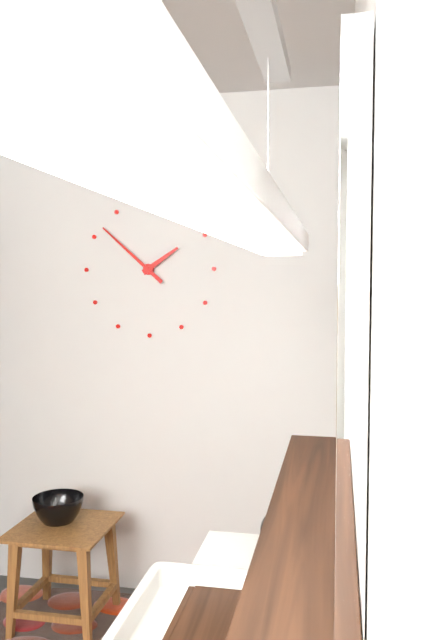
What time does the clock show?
1:52
